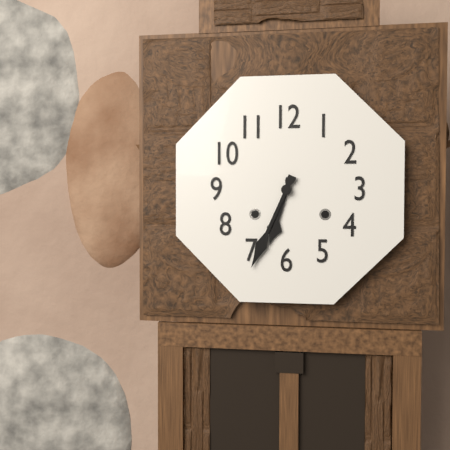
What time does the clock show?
6:34
